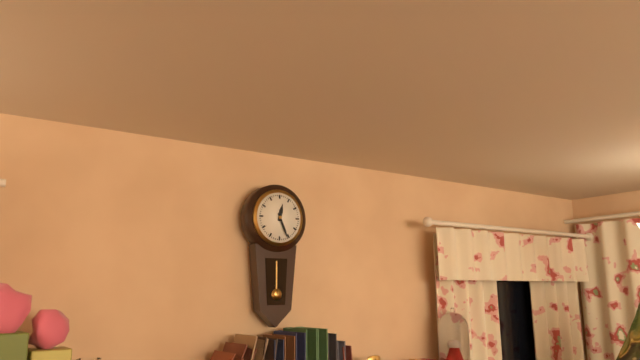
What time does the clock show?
12:26
